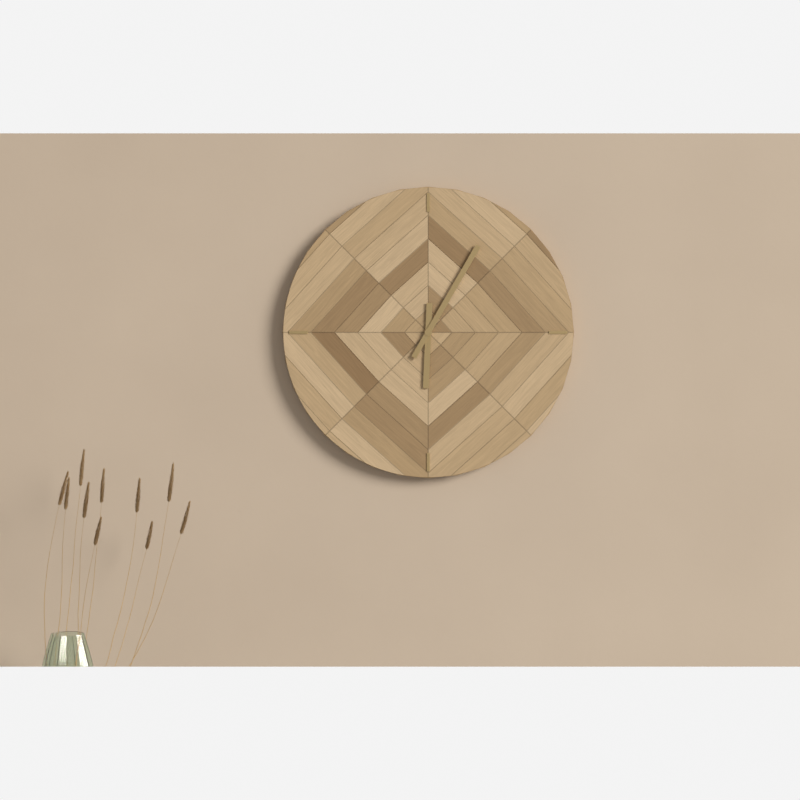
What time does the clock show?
6:05
